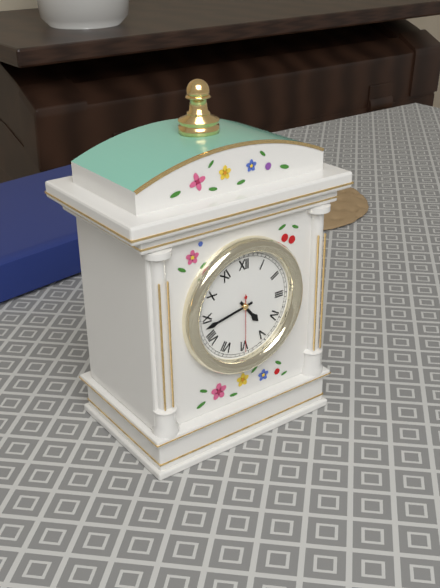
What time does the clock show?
4:43:30
